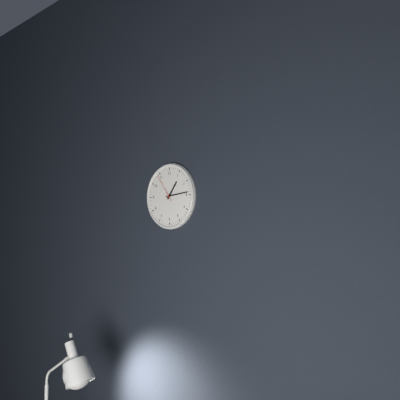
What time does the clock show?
1:14
